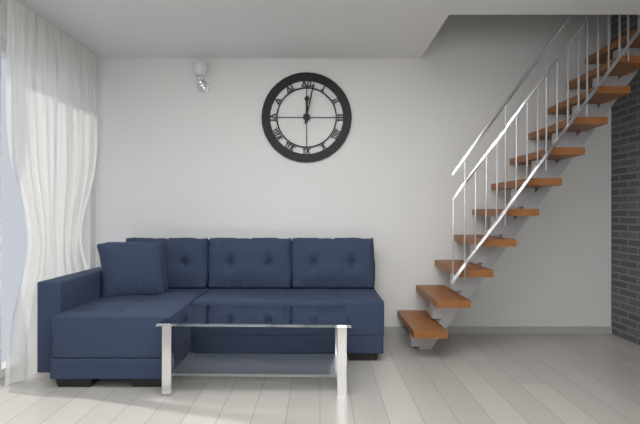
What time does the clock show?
12:02
